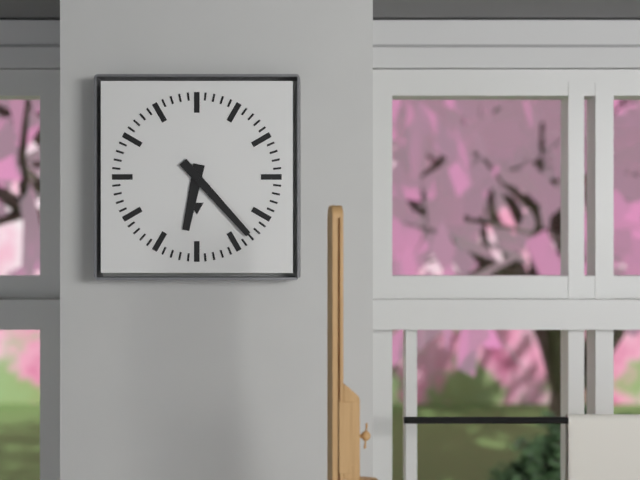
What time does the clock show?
6:23
